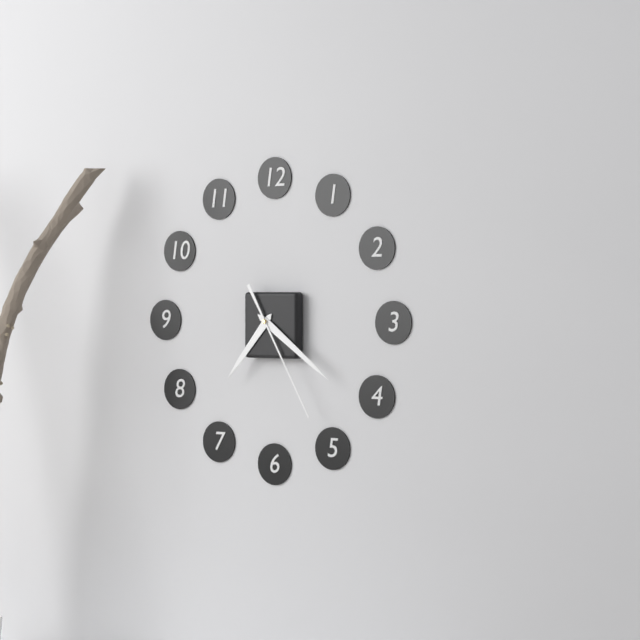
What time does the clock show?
7:21:25
